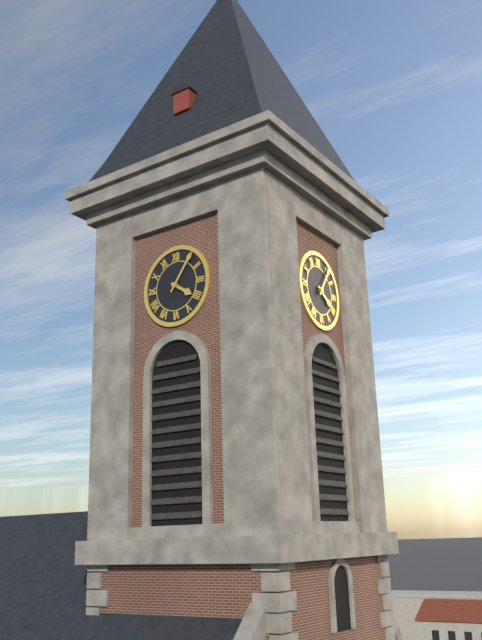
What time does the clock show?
4:06
